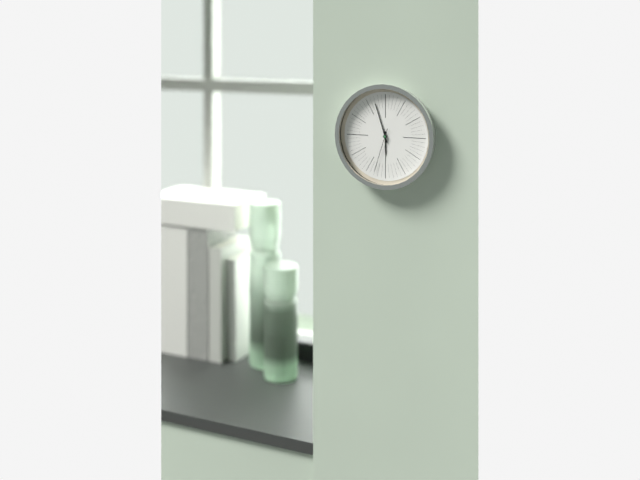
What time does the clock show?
5:57
